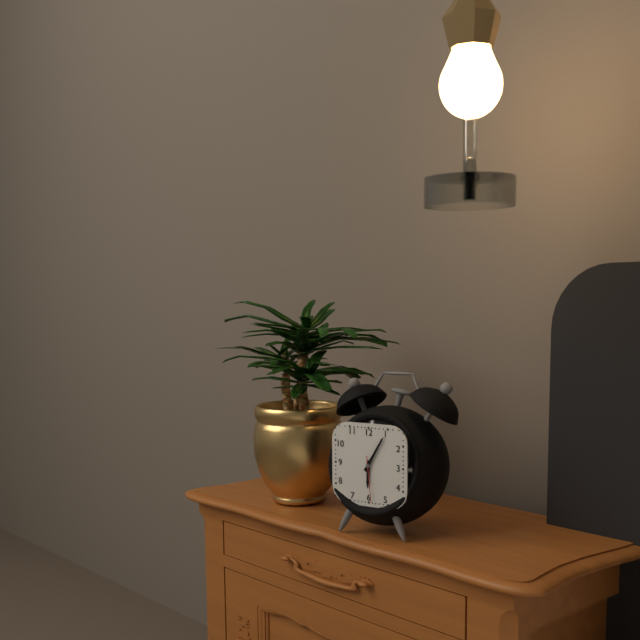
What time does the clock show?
6:05
